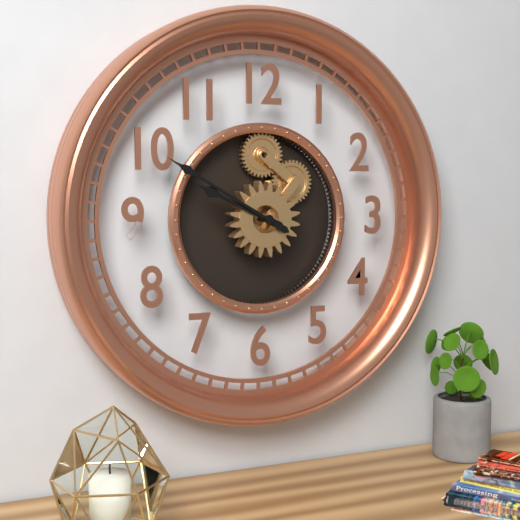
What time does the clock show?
9:50
